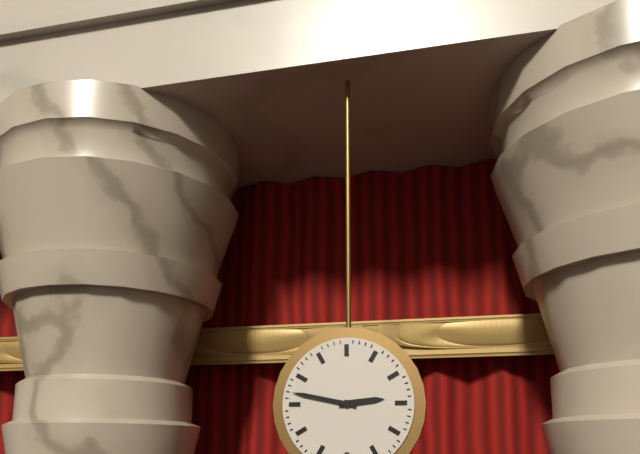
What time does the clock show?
2:47
